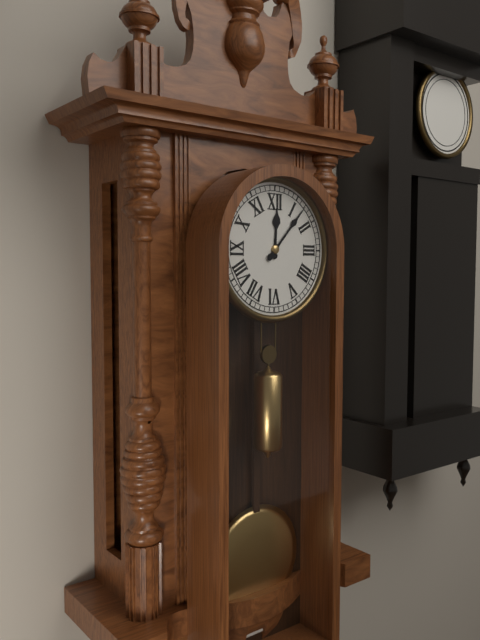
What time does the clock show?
12:07
